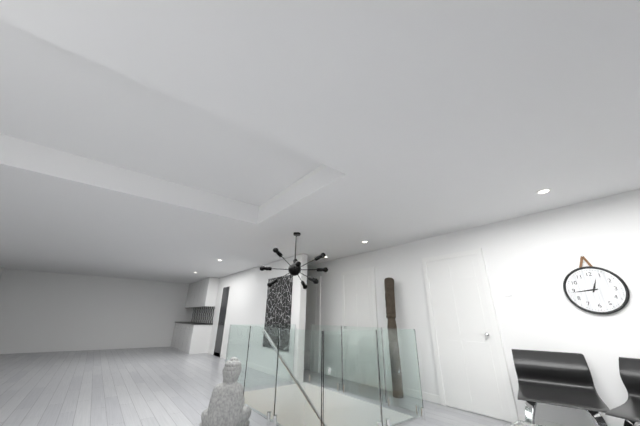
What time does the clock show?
12:44
